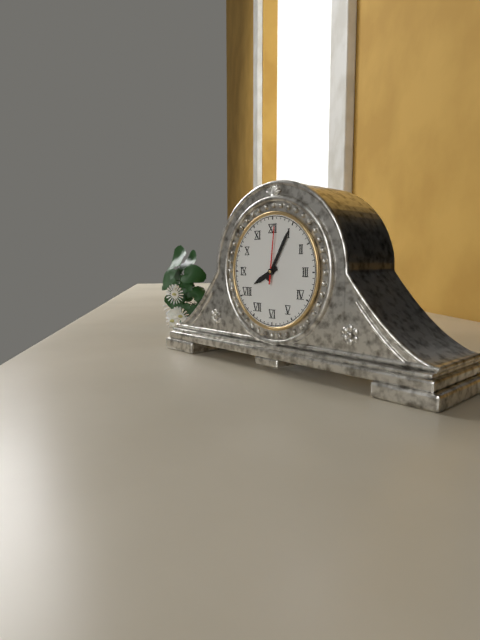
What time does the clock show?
8:05:01
